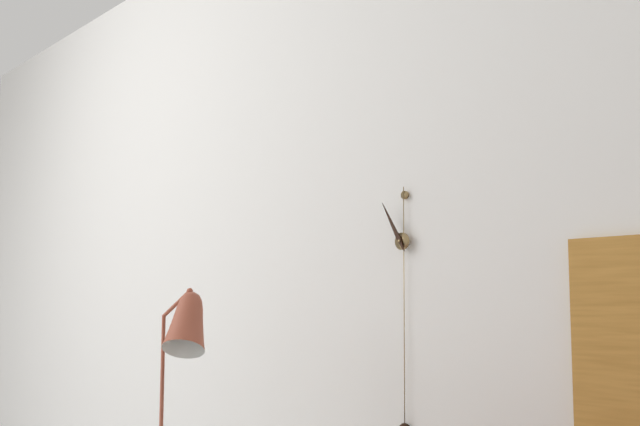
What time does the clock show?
10:55
